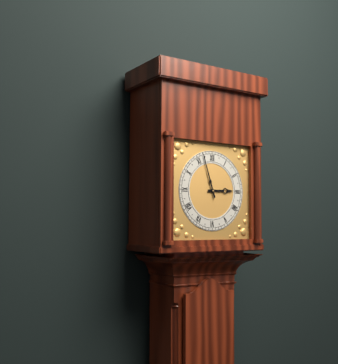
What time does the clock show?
2:57
